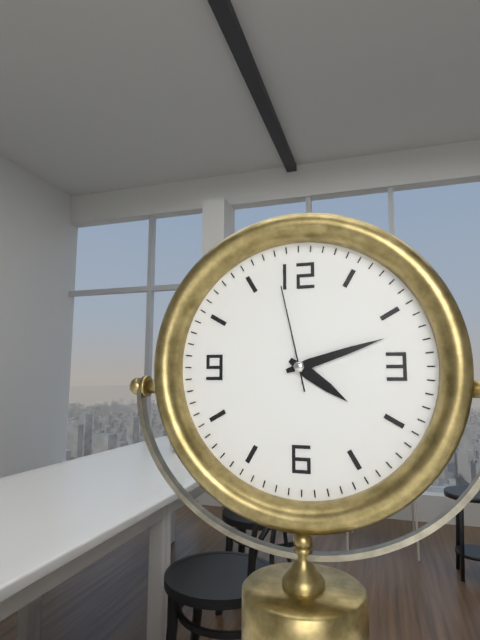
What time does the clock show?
4:12:58
